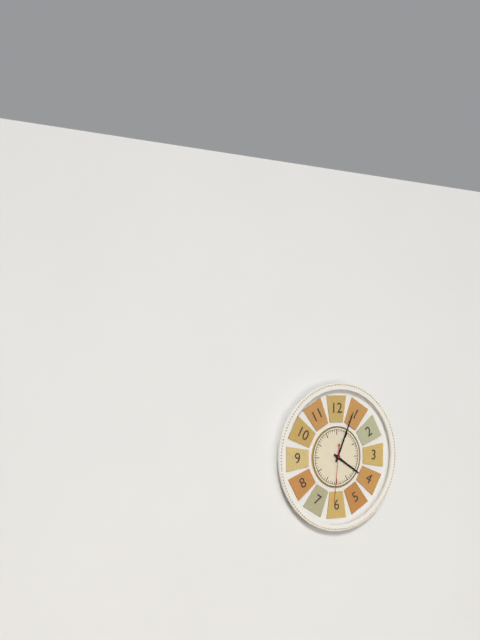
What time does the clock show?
4:04:31
